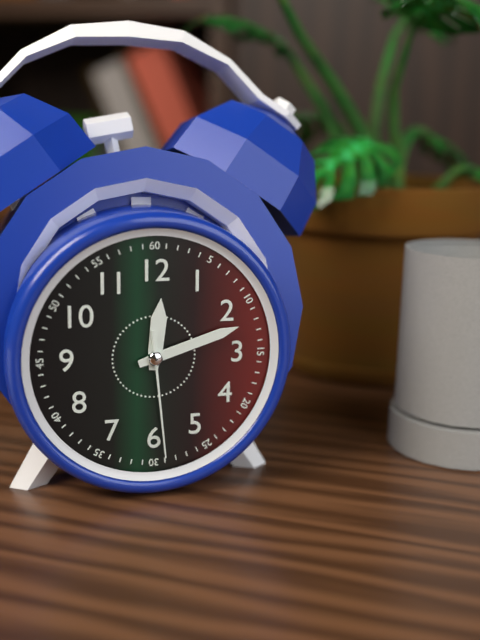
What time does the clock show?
12:12:29
